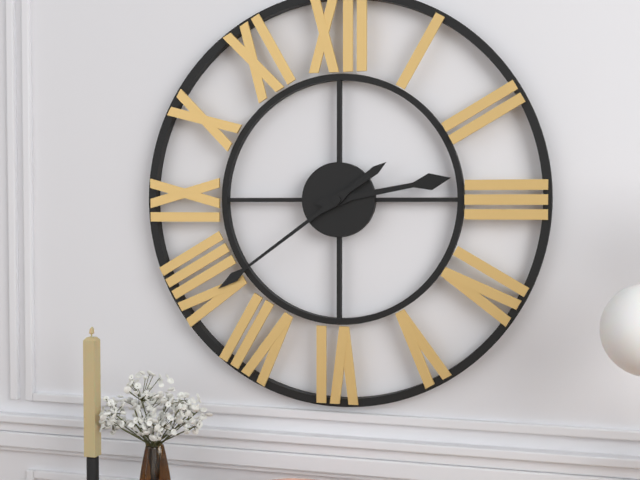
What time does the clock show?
2:39
